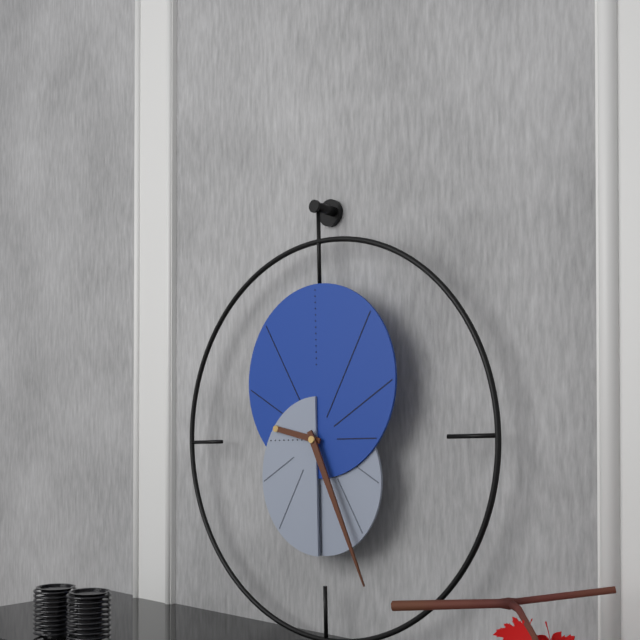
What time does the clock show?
9:26
